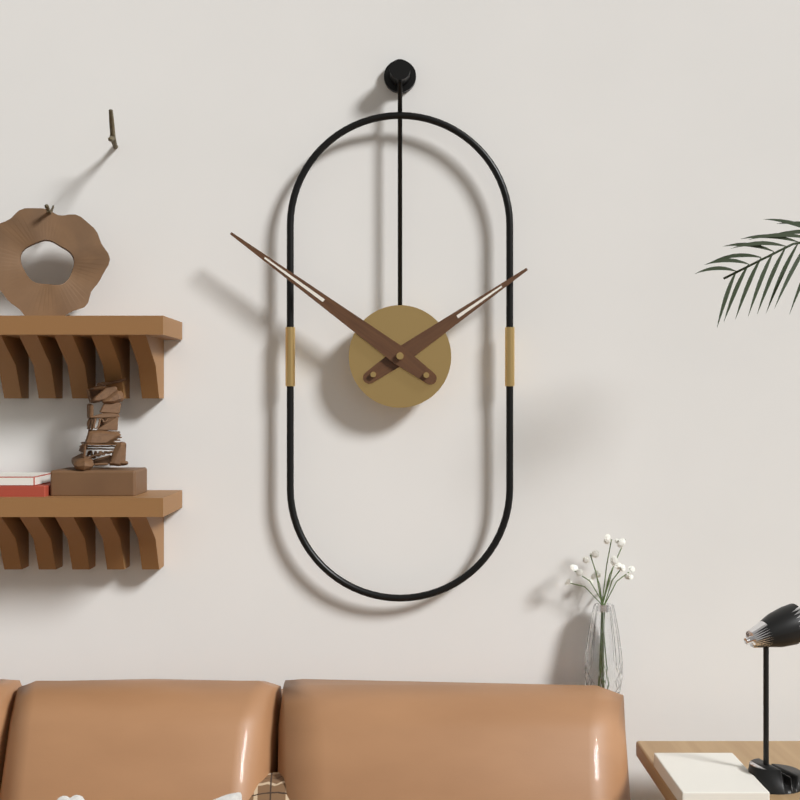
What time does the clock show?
1:51
